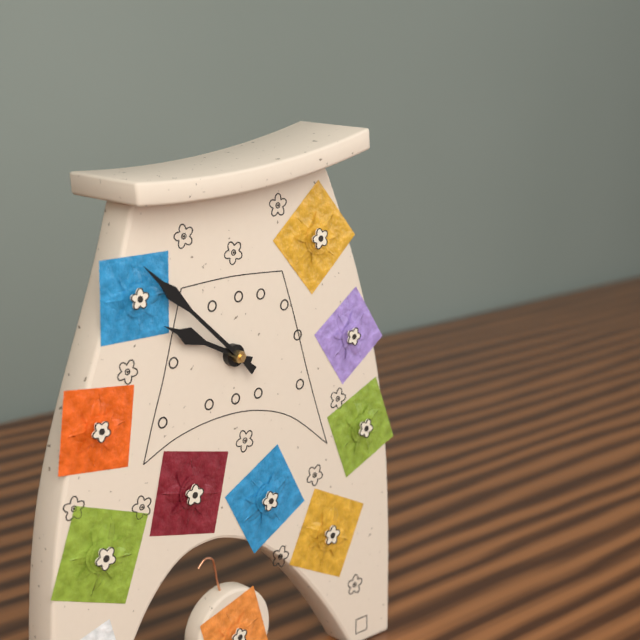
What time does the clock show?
9:52
